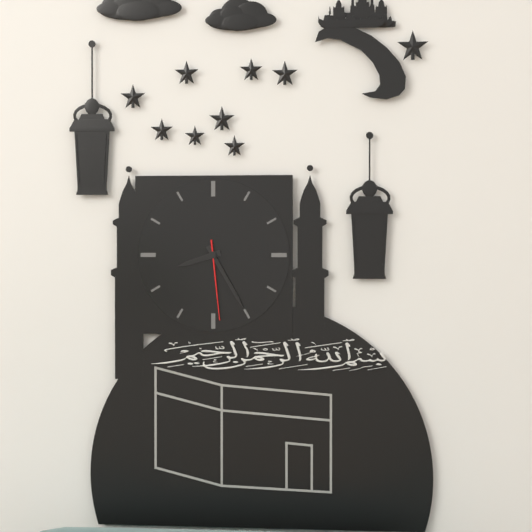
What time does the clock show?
8:25:29
